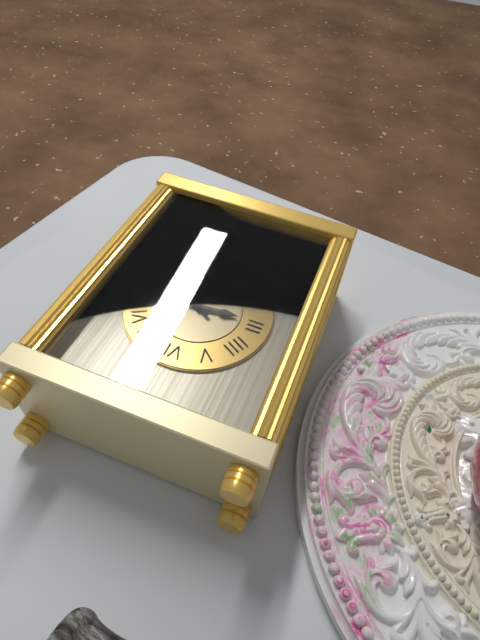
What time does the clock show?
2:50
